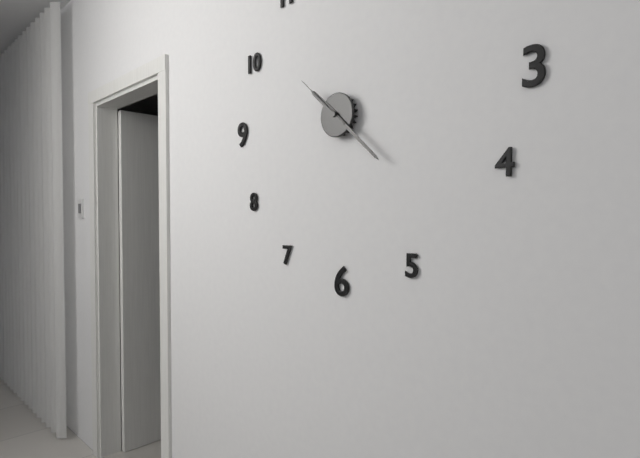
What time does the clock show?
10:22:52
